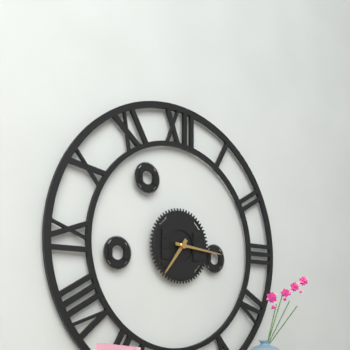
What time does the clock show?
7:16
